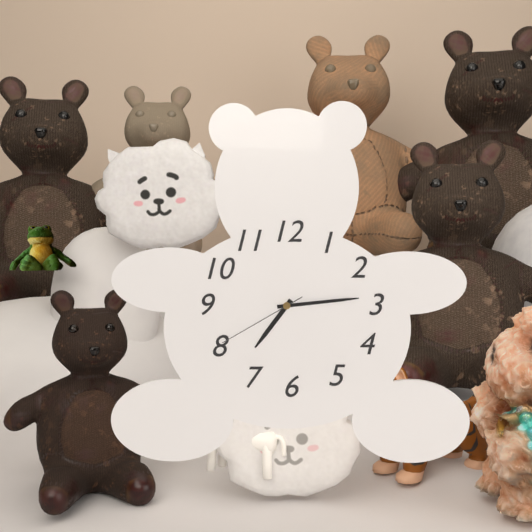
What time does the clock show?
7:14:40
